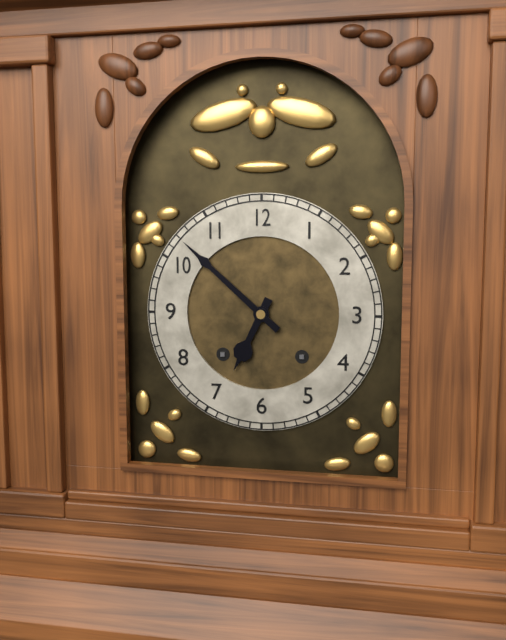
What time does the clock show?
6:52
